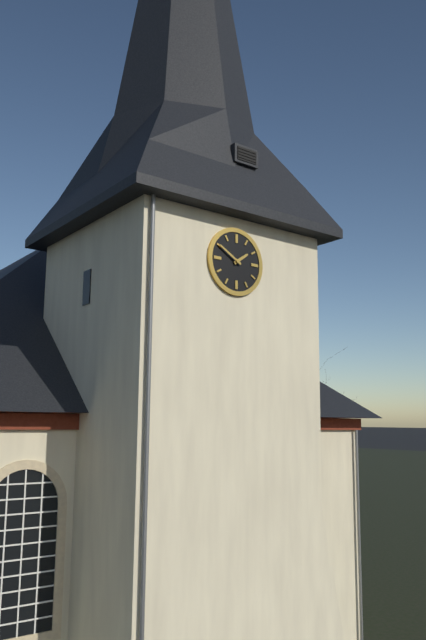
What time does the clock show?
1:50
